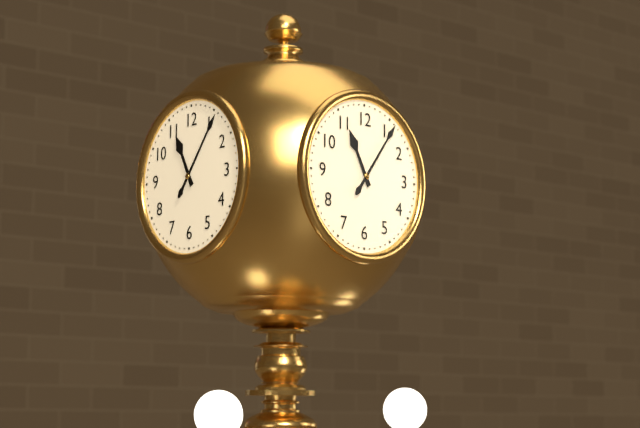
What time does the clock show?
11:06
